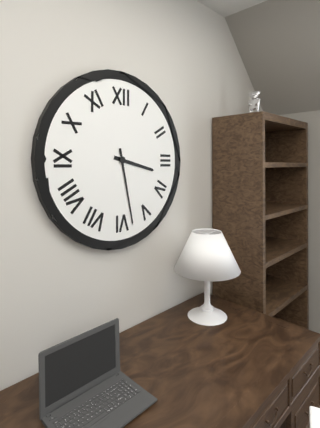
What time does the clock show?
3:28
